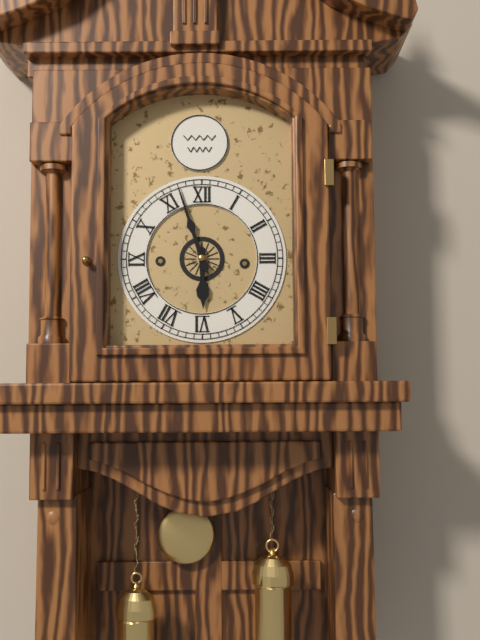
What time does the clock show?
5:57
